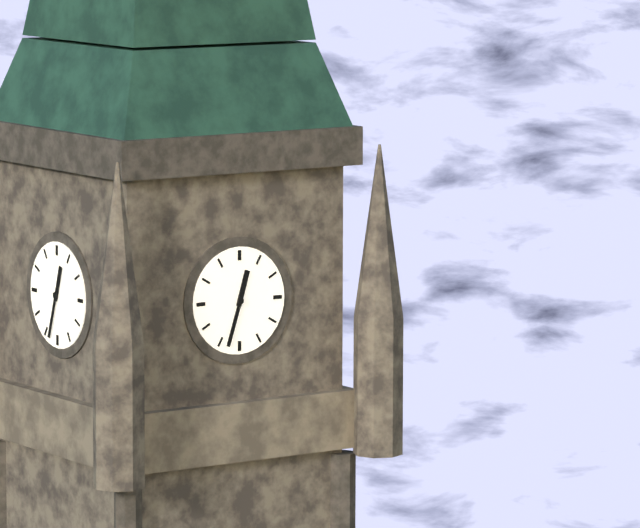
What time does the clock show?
12:33
